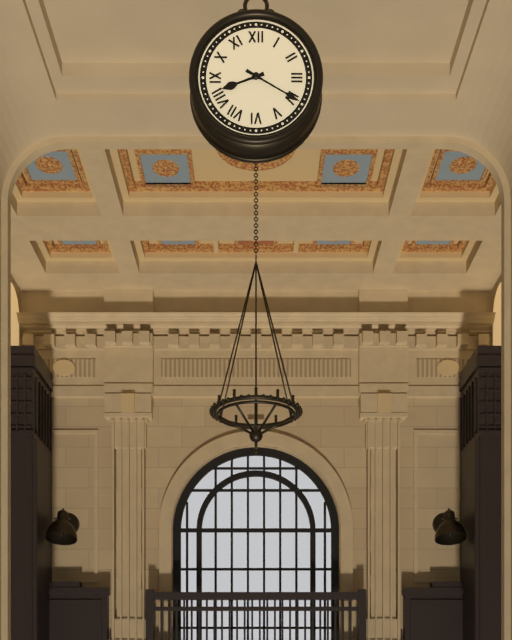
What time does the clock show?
8:20
